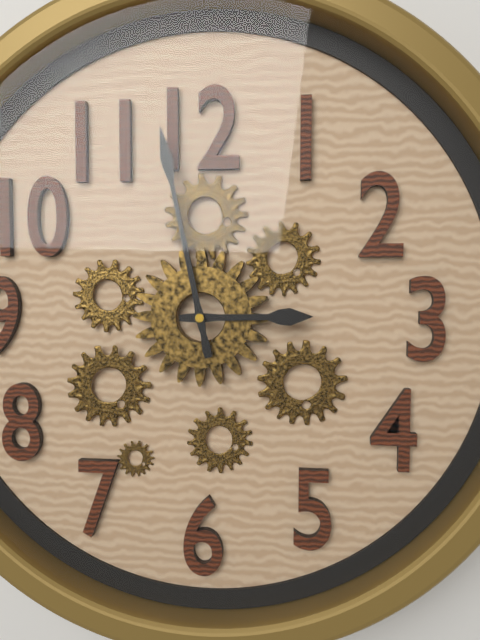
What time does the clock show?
2:58
